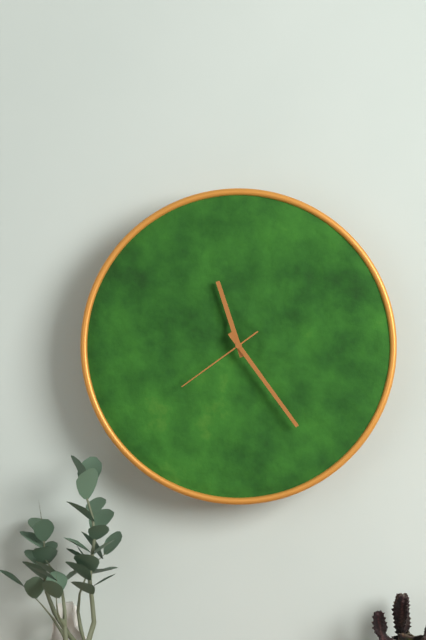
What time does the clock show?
11:24:39
